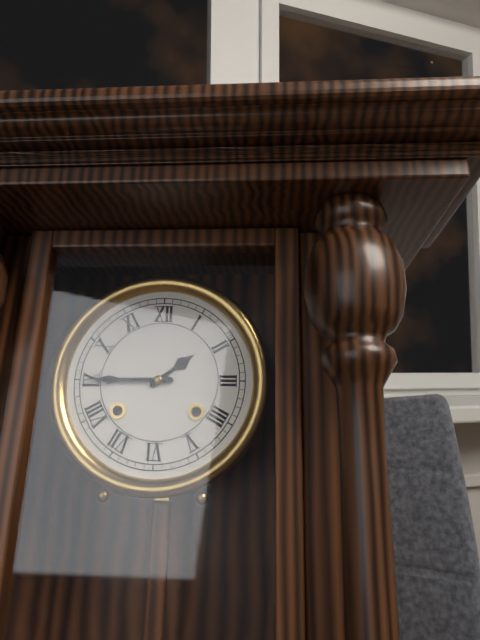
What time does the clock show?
1:45
